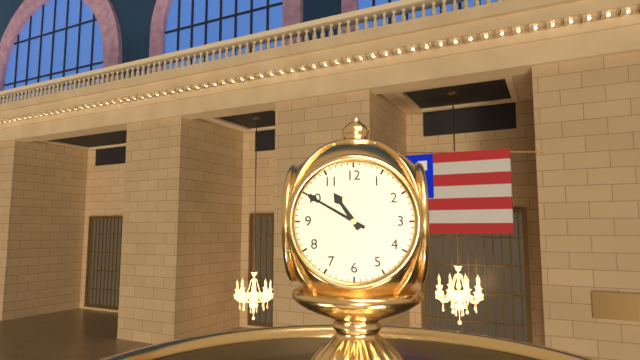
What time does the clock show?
10:50
